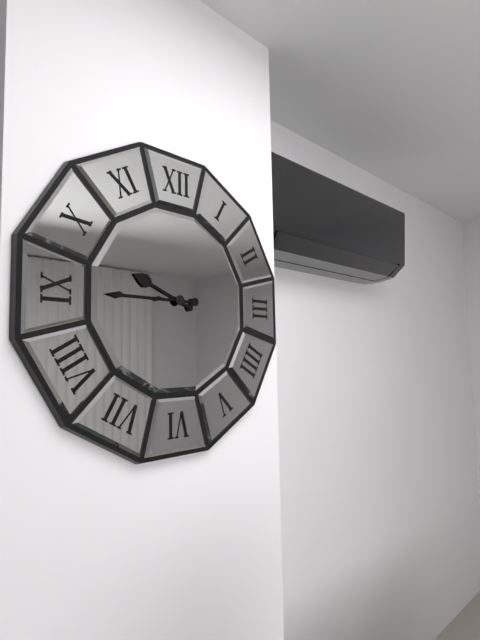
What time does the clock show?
9:45
